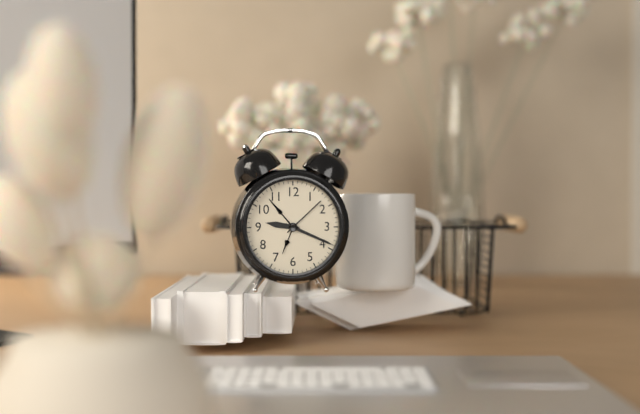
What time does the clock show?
9:19
